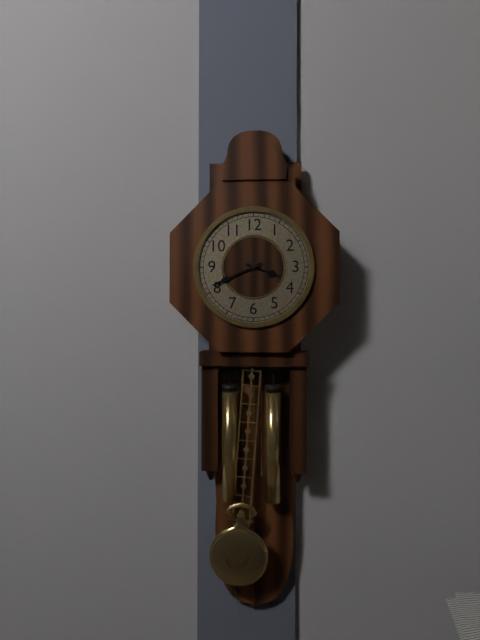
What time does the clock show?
3:41
